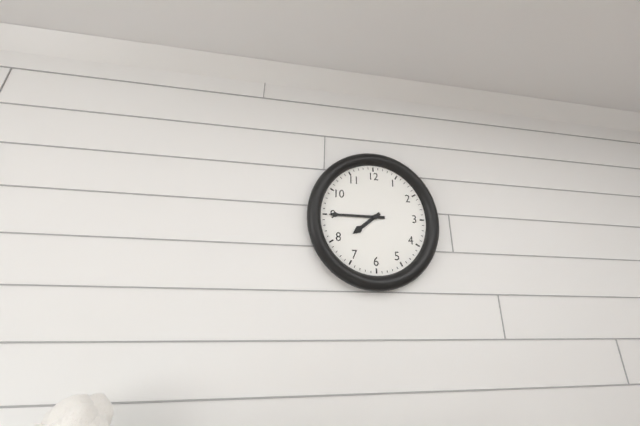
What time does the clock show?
7:45
